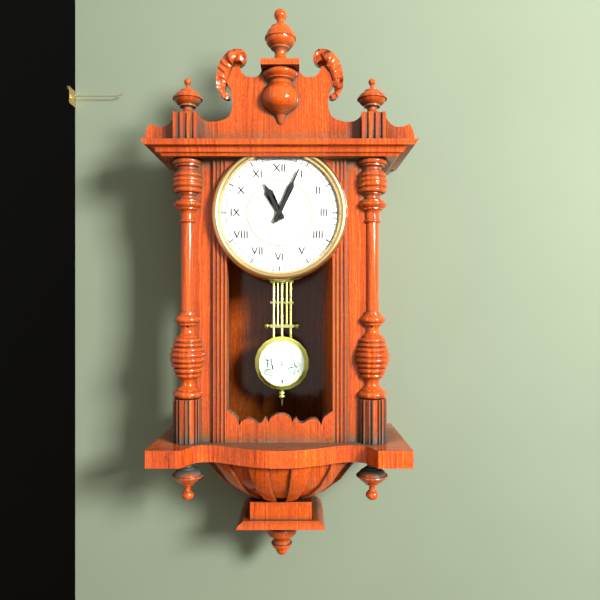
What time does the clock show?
11:04
